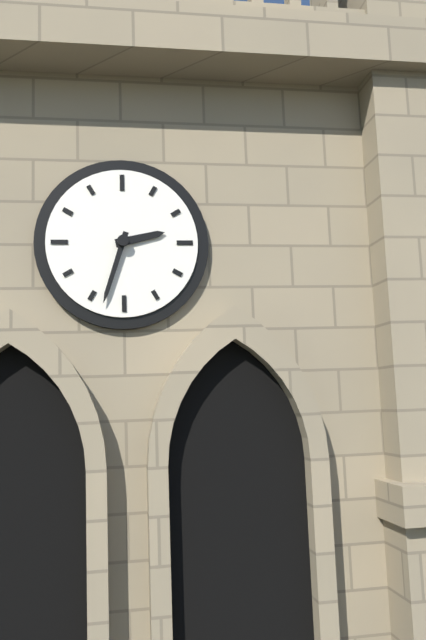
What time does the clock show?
2:33
